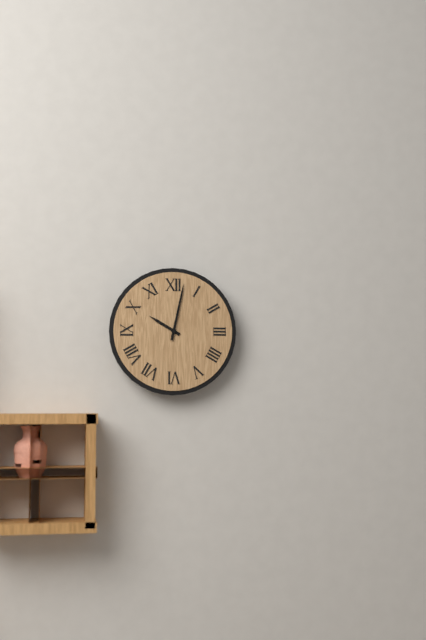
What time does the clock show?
10:02
